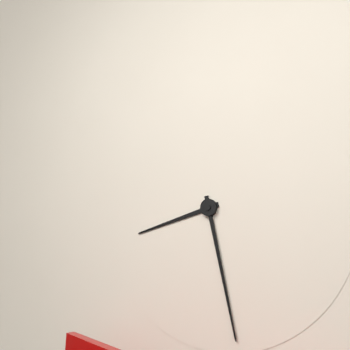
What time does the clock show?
8:28
